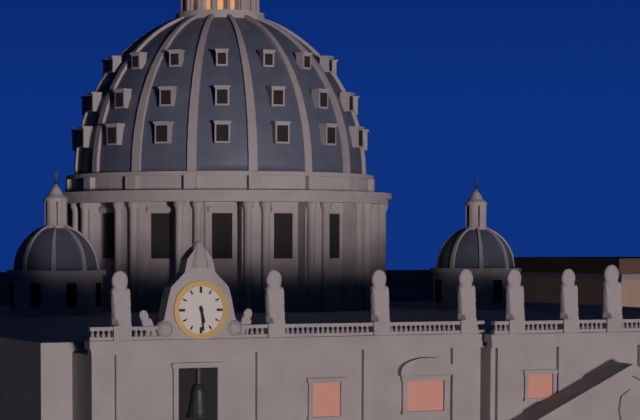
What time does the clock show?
5:29
